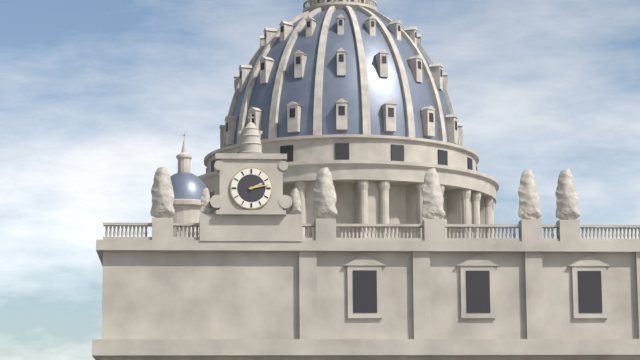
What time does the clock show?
2:13
